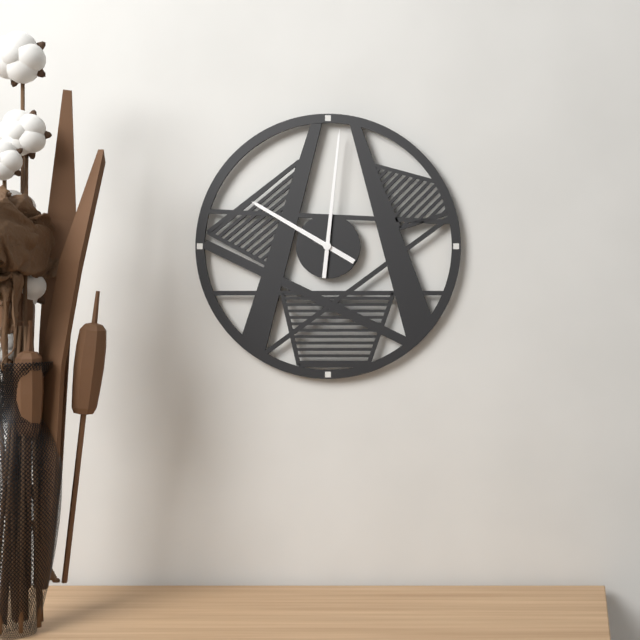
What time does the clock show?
10:01
